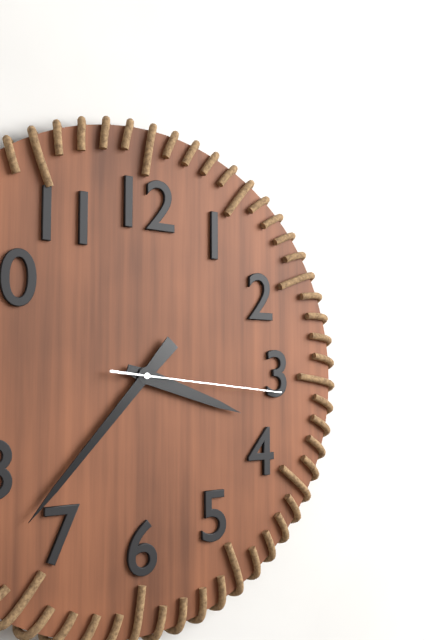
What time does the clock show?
3:37:16
